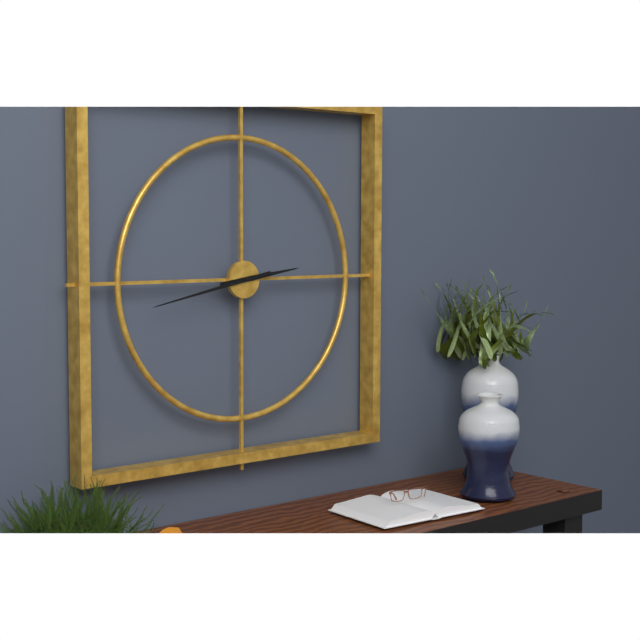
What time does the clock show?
2:43
